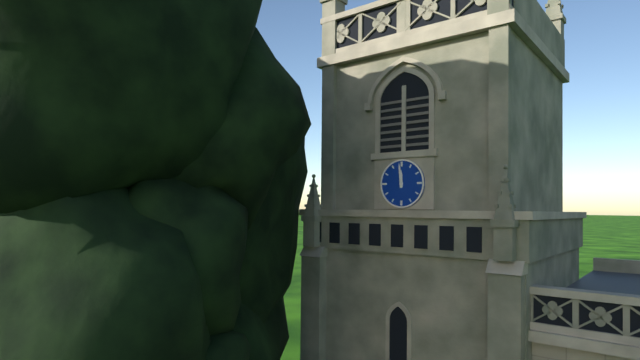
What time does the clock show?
11:59
